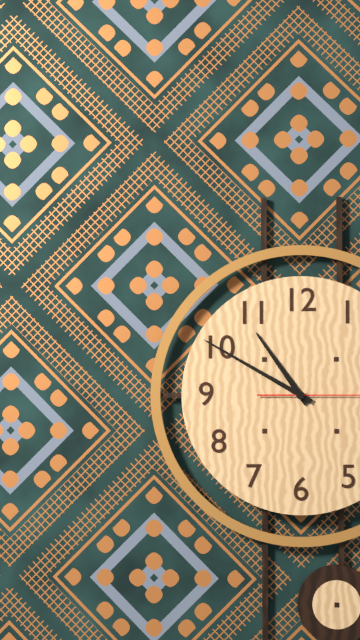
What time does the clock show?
10:50
